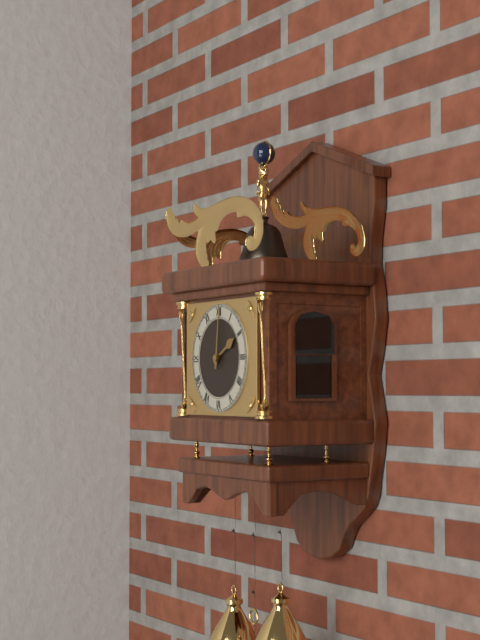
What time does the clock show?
2:01
